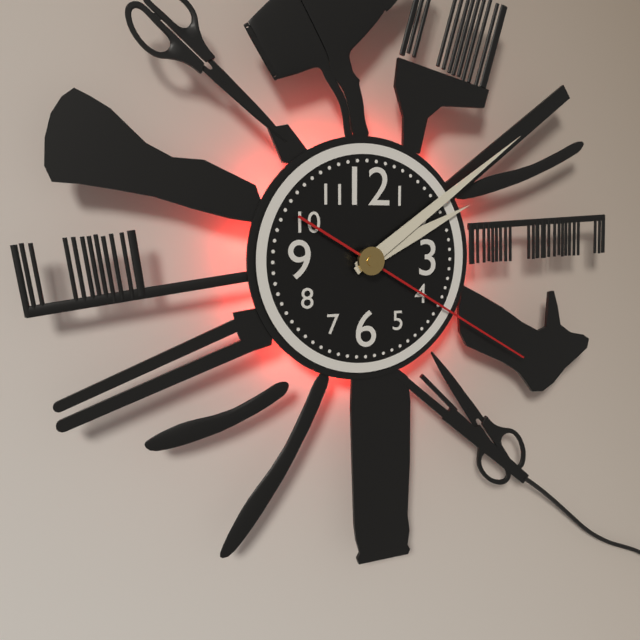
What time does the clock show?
2:09:20
